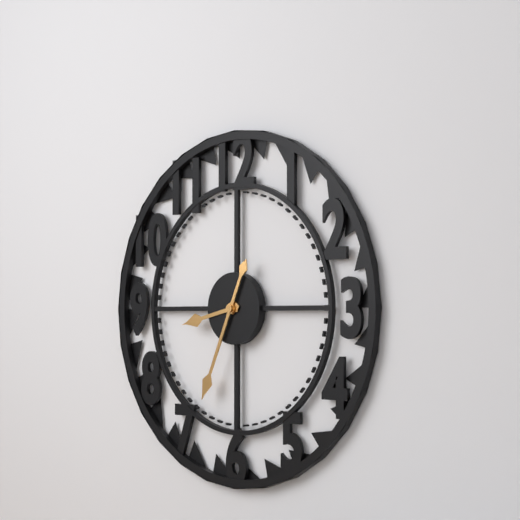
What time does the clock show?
8:34
